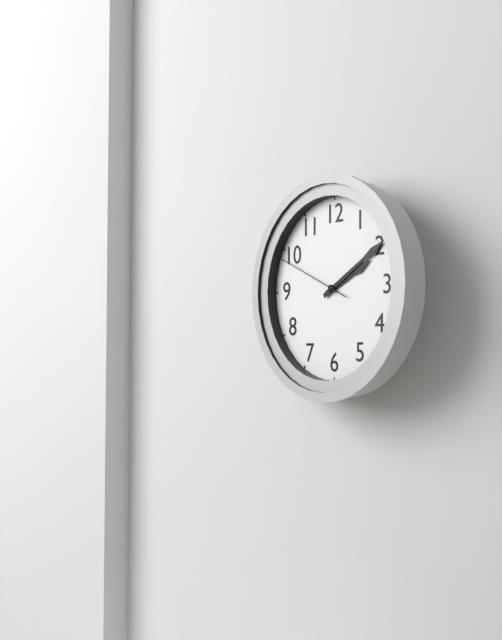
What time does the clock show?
2:10:49
